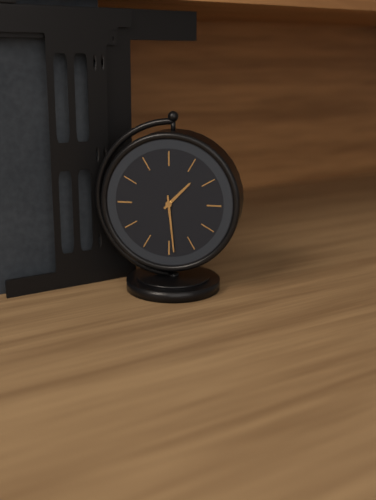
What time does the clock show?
1:29
